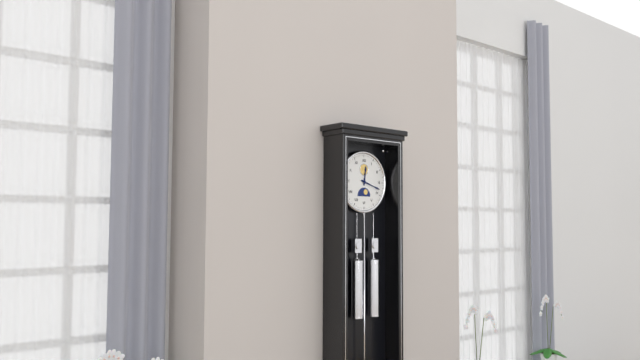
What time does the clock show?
12:18
